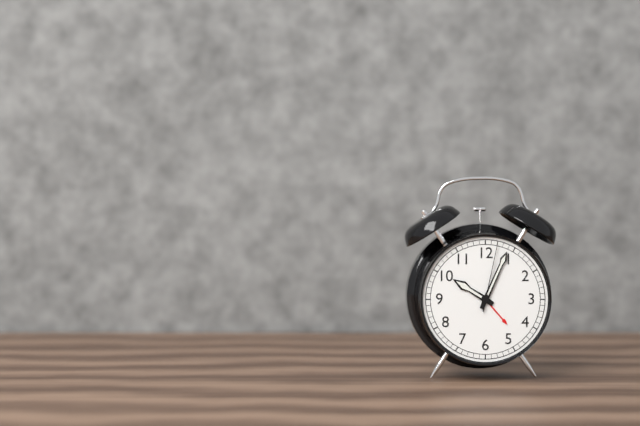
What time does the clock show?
10:04:02
